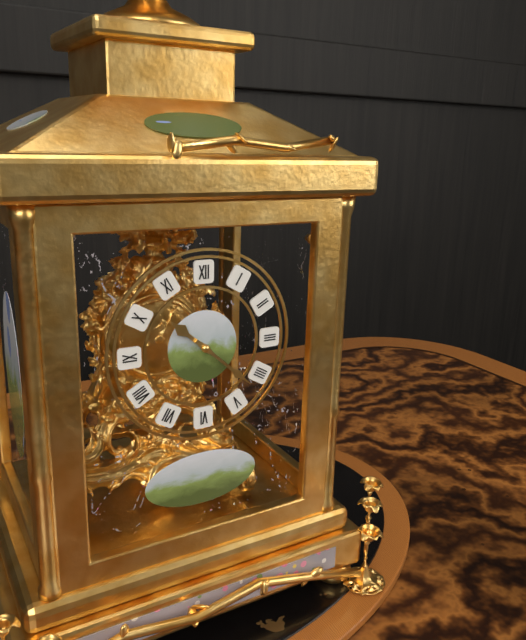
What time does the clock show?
10:22
